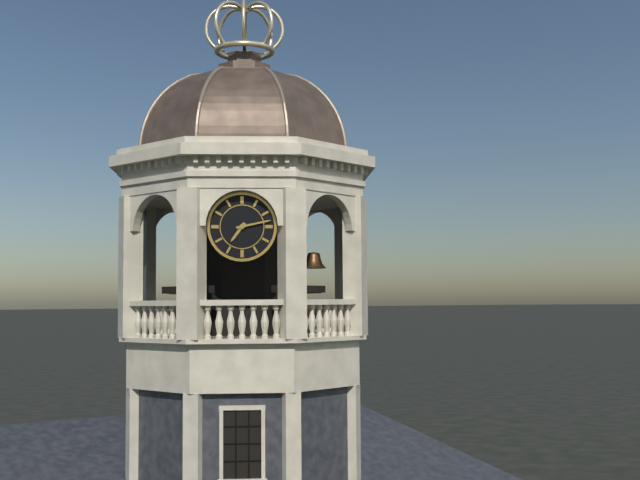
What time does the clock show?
7:13
